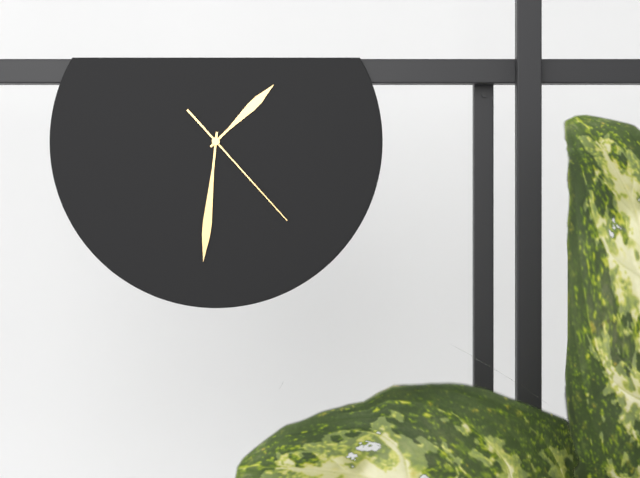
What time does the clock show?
1:31:23
